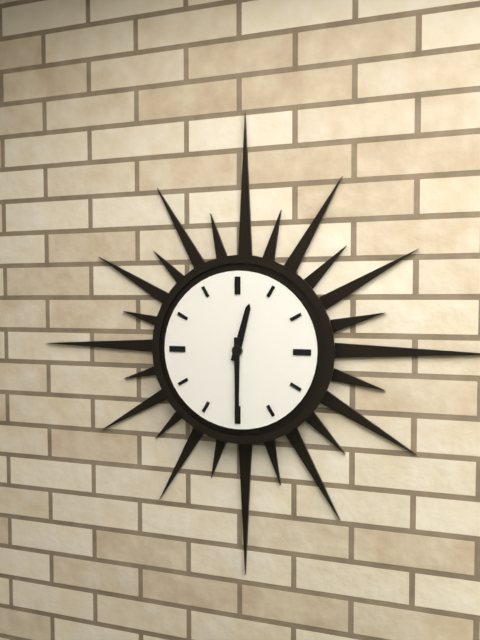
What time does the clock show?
12:30
